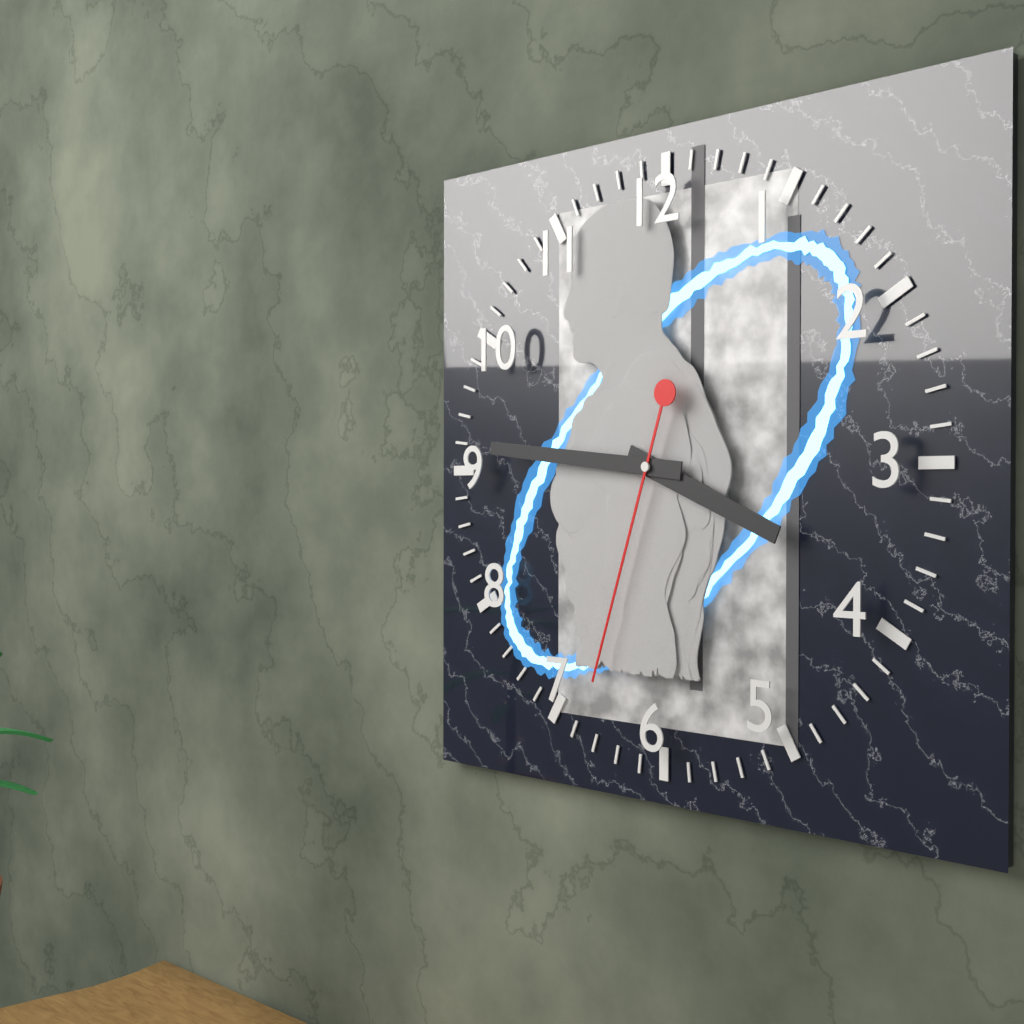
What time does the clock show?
3:46:33
